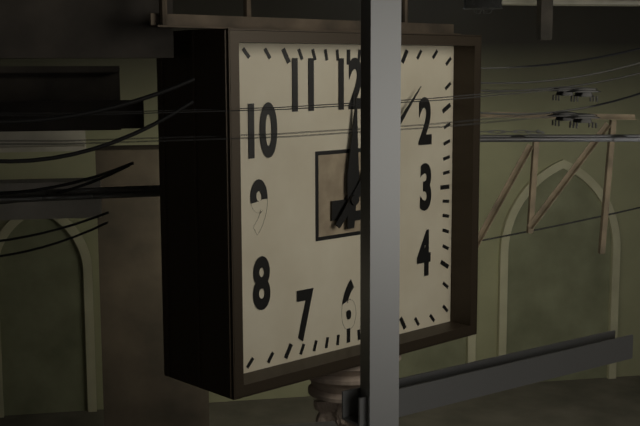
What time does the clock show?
12:07
